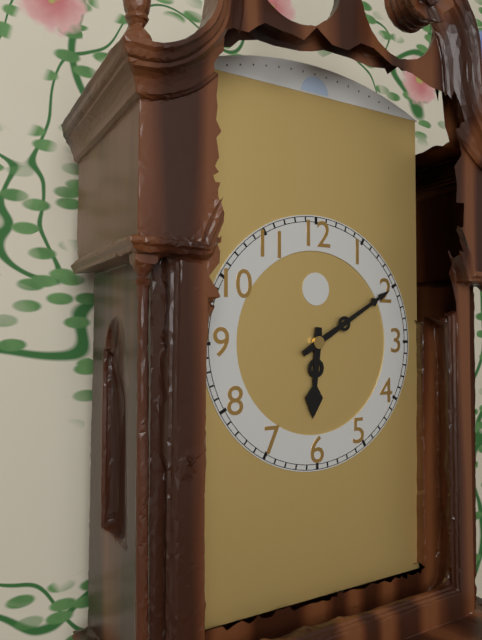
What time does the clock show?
6:10
